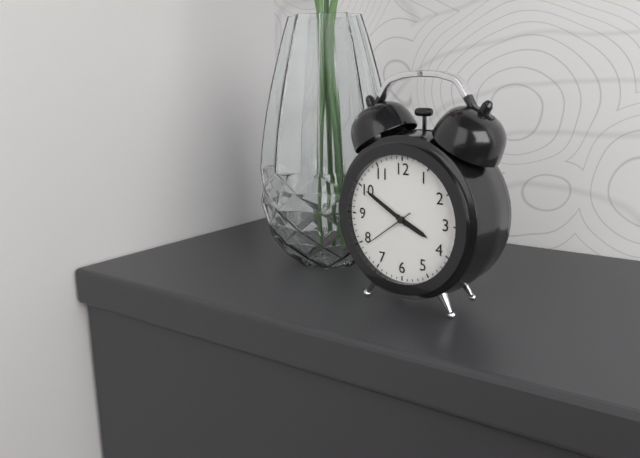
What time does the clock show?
3:50:39
